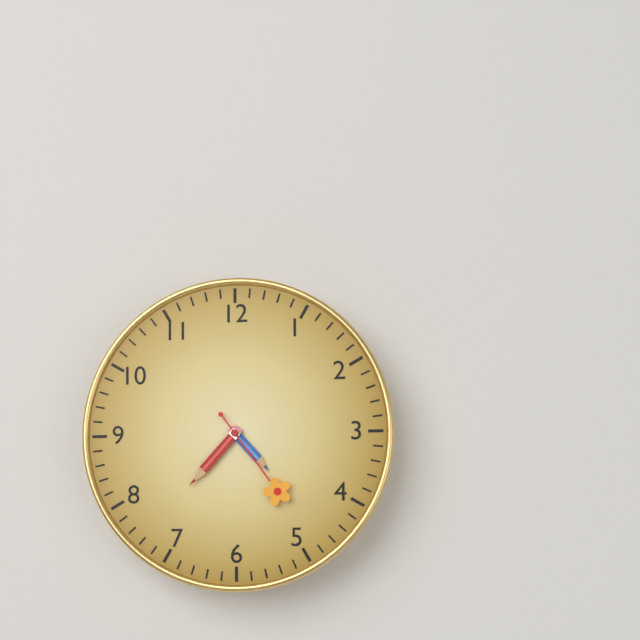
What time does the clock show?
4:37:24
